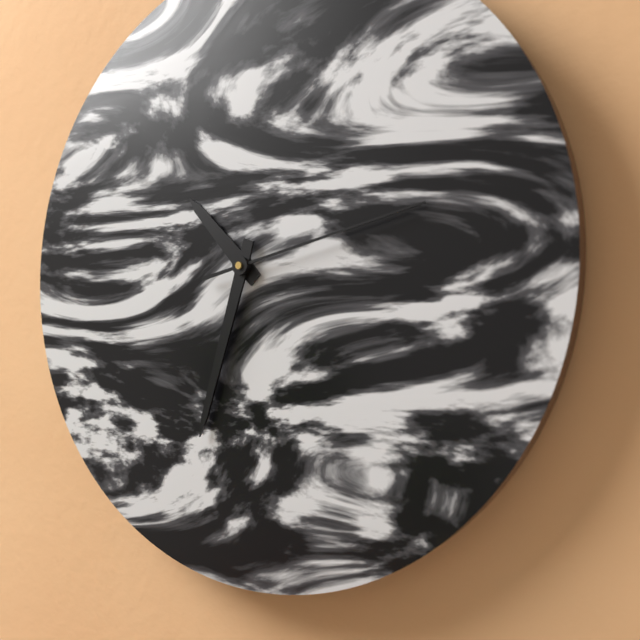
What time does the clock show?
10:33:13
